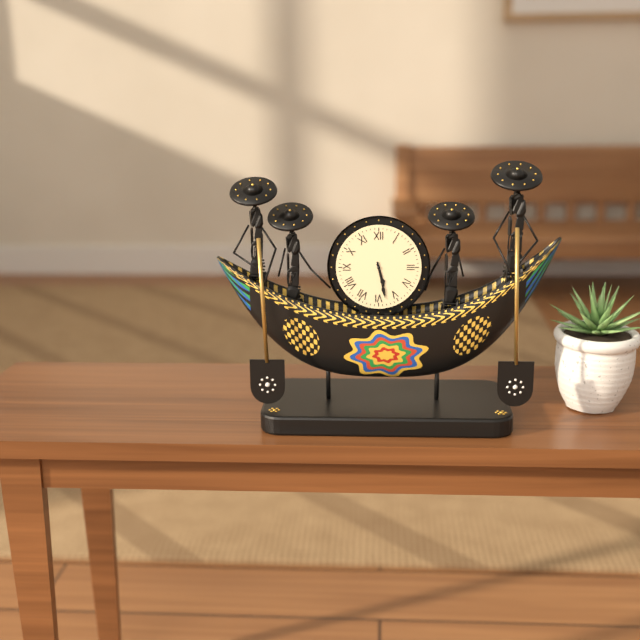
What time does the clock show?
5:28
